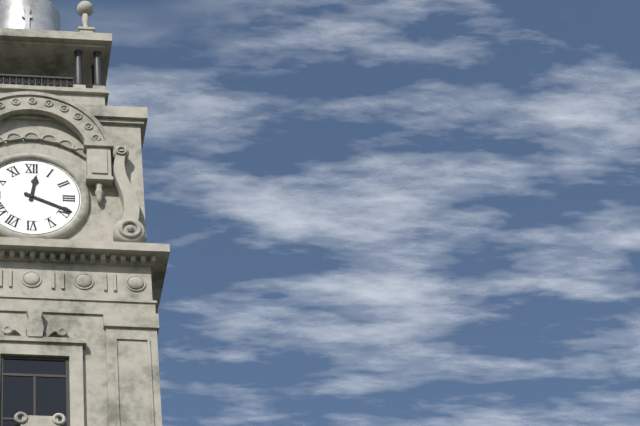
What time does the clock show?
12:19
